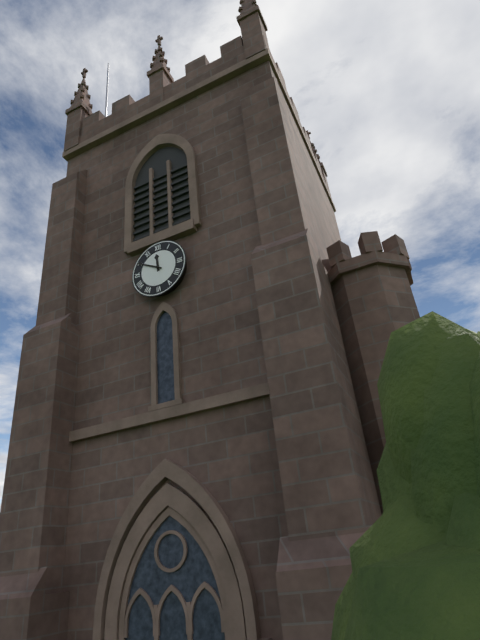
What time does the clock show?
11:50
